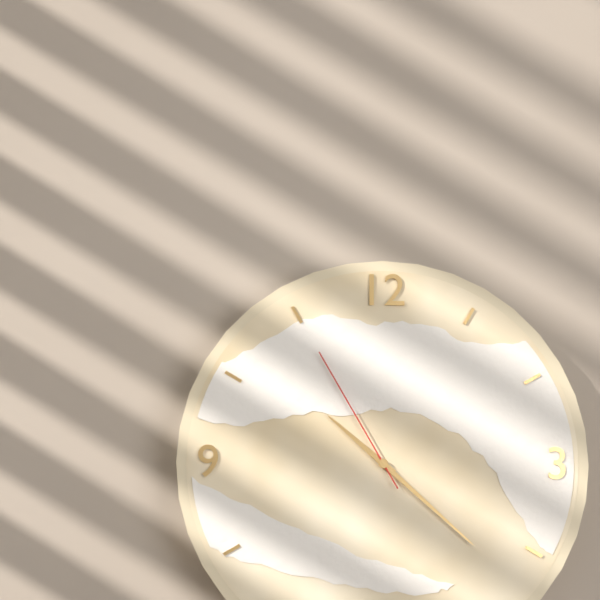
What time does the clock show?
10:22:55
